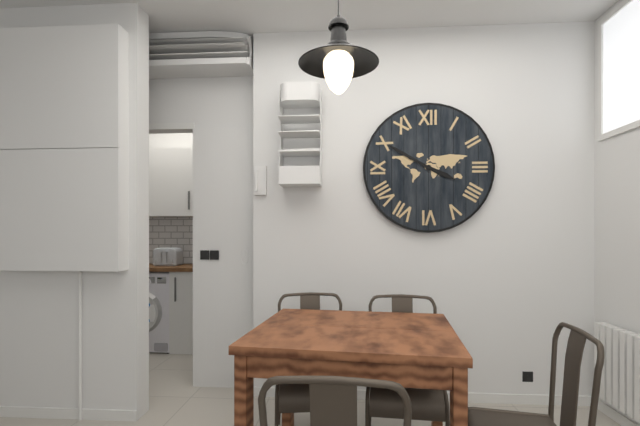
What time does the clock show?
3:50
